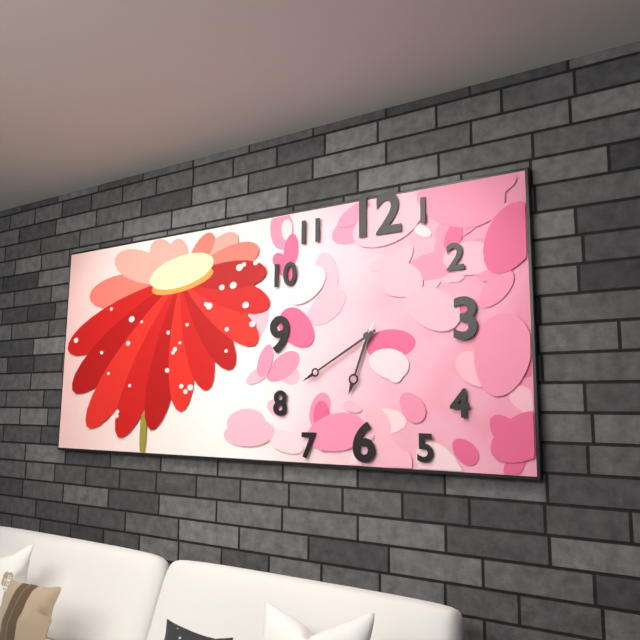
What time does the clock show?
6:40:35
